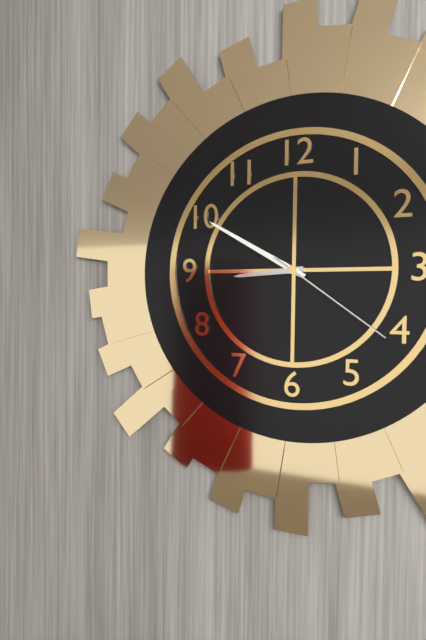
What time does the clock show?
8:50:21
